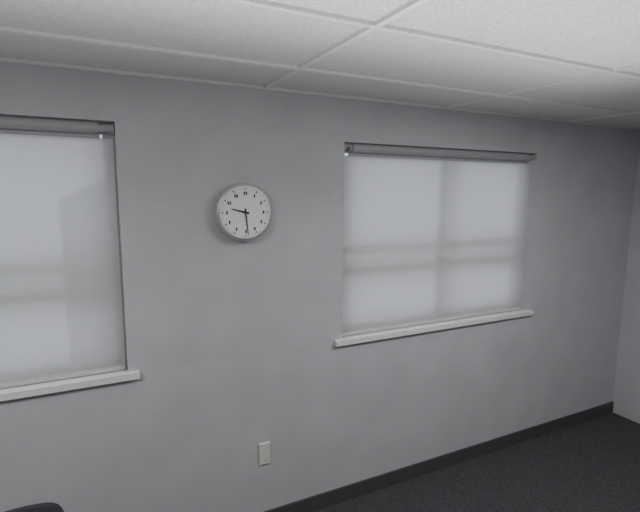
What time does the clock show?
9:29
